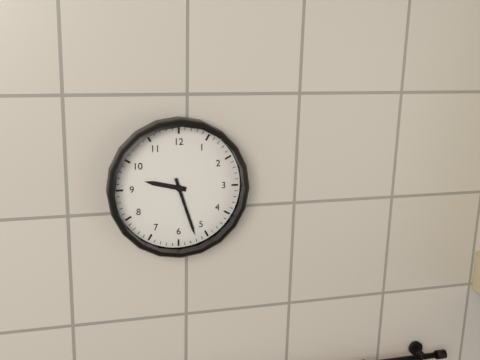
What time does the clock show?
9:27
